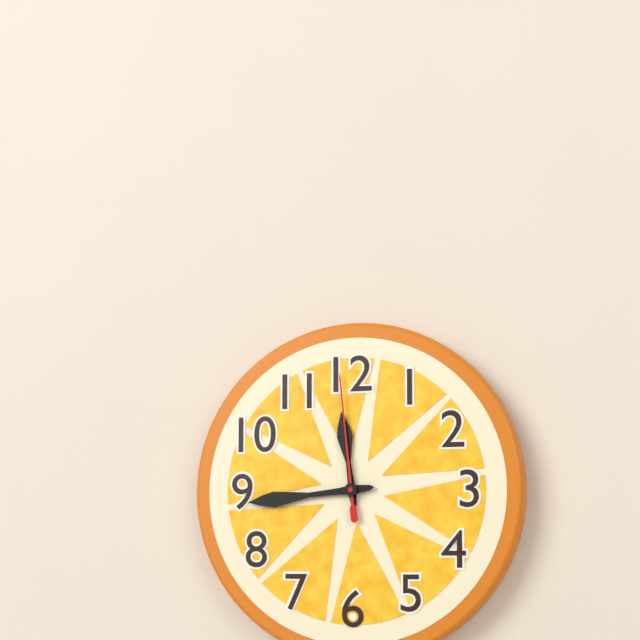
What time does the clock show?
11:44:59
